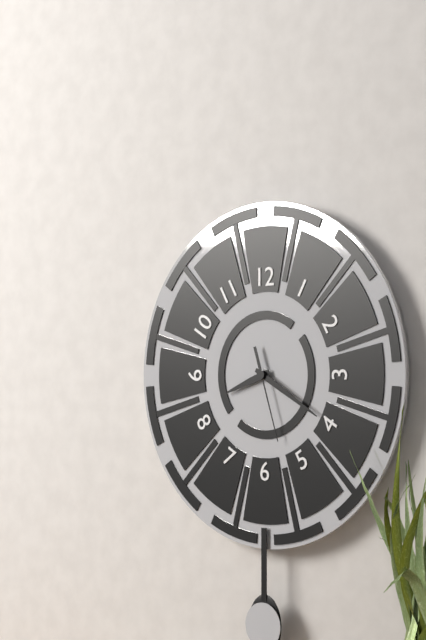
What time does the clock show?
8:20:27
